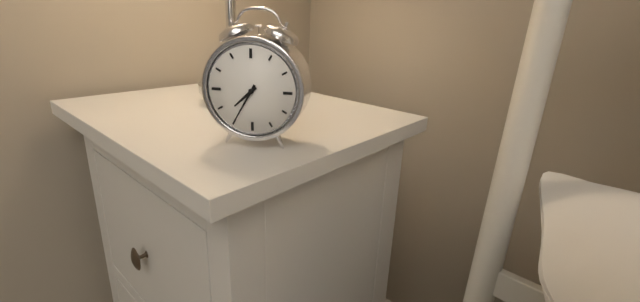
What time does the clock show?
7:35
